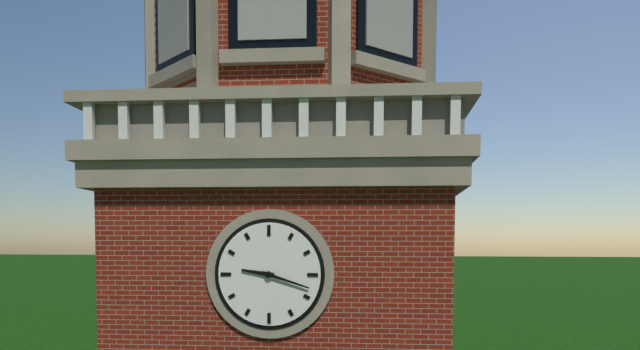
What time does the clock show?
9:18
